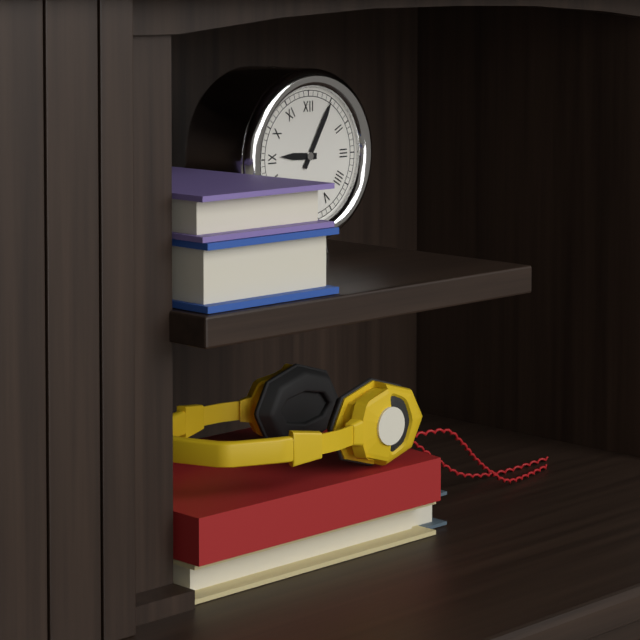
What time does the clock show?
9:05
